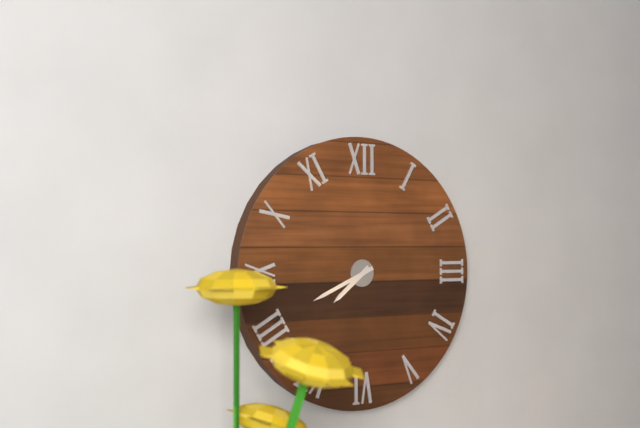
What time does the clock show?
7:41
